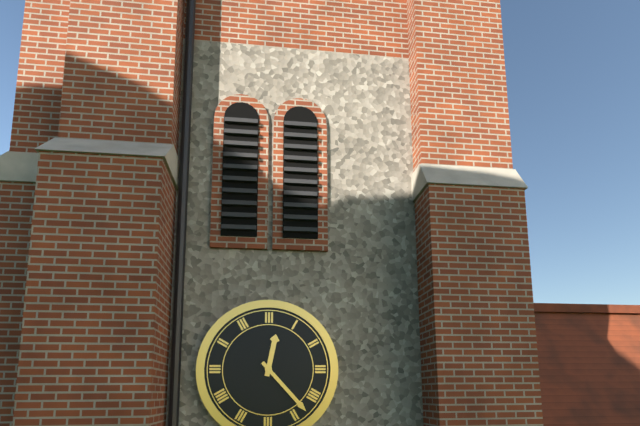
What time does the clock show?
12:23
